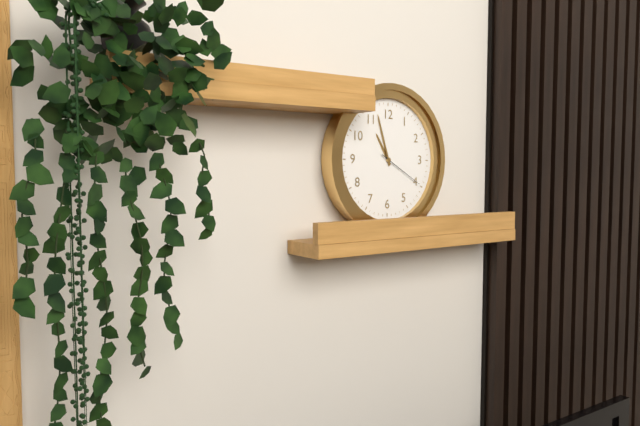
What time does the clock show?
10:57
